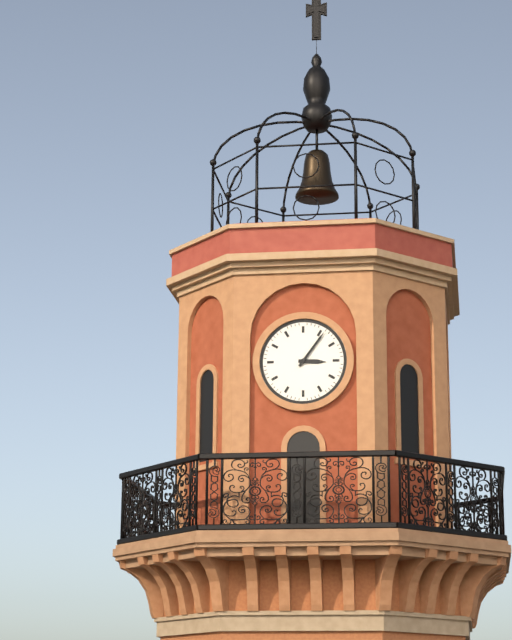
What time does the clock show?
3:06
